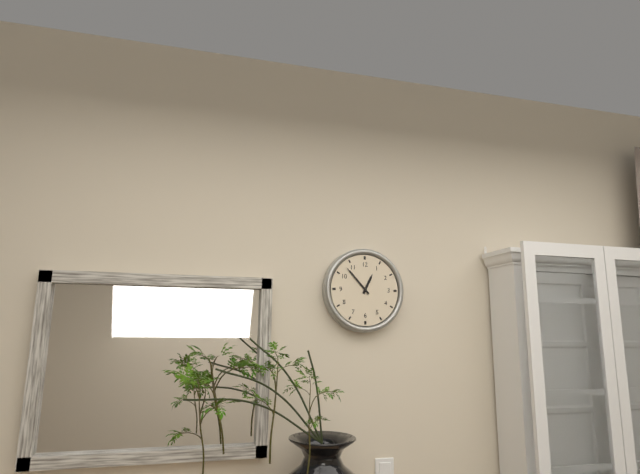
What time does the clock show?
12:53
